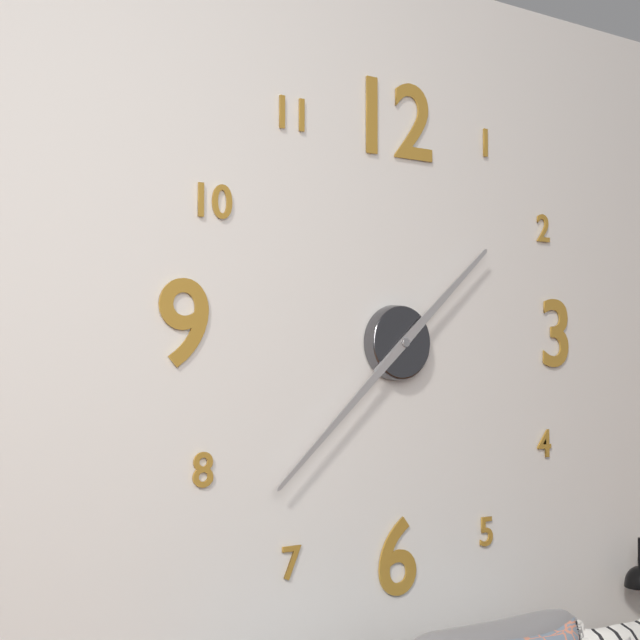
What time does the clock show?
1:38
